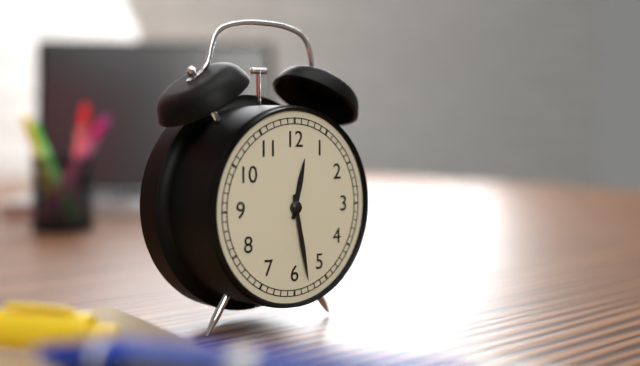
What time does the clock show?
12:28
